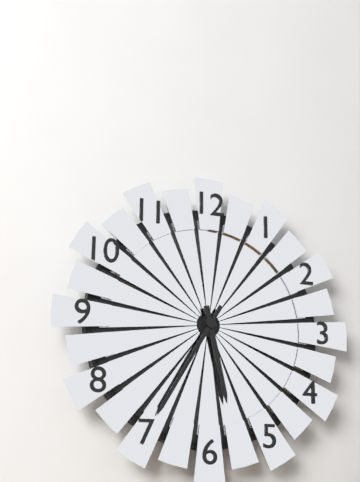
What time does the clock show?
5:35
